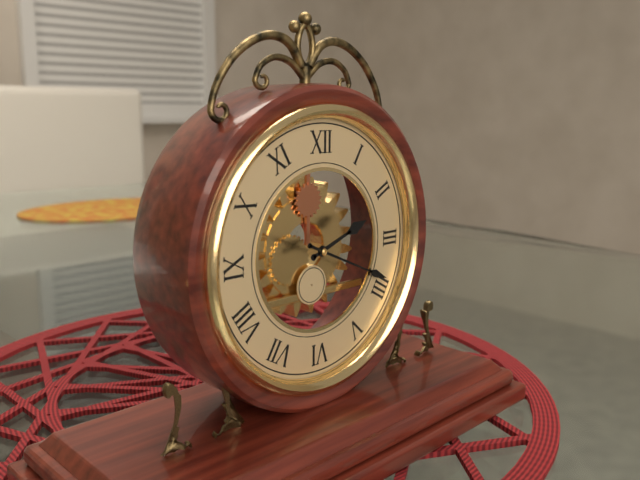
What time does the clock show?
2:19
